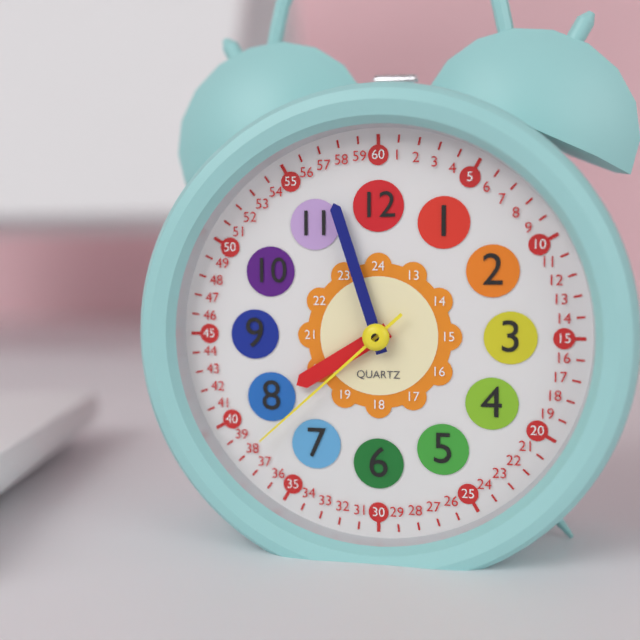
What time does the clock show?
7:57:38
